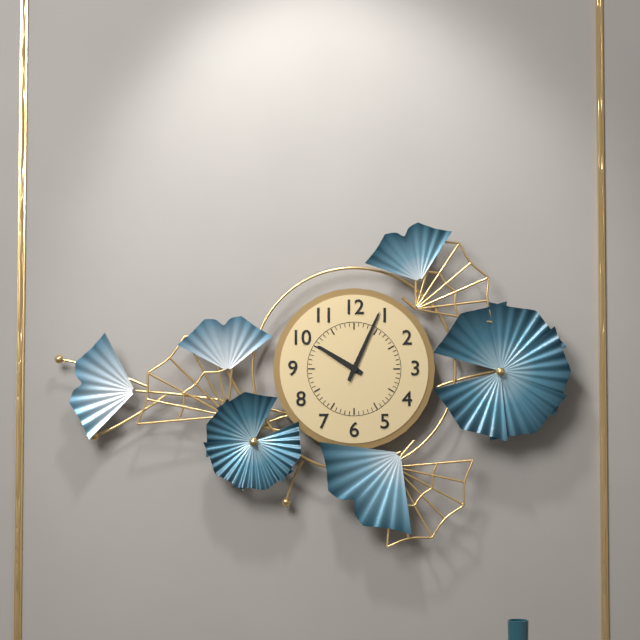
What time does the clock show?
10:04
